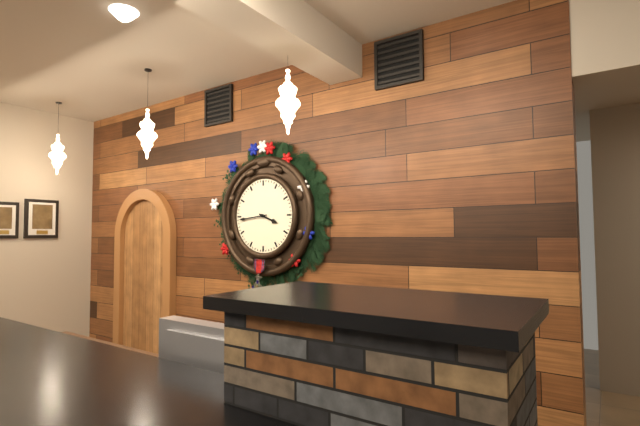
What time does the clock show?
3:44
